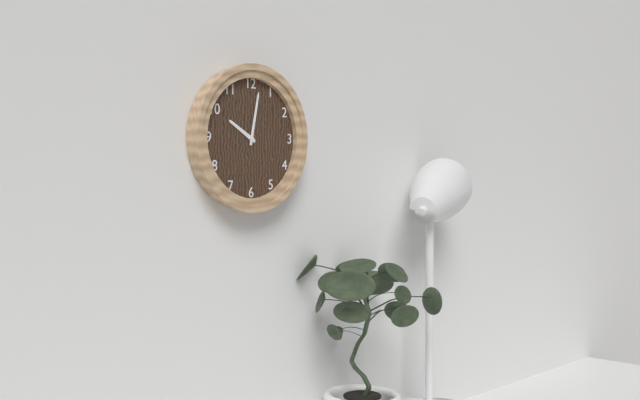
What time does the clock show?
10:02
